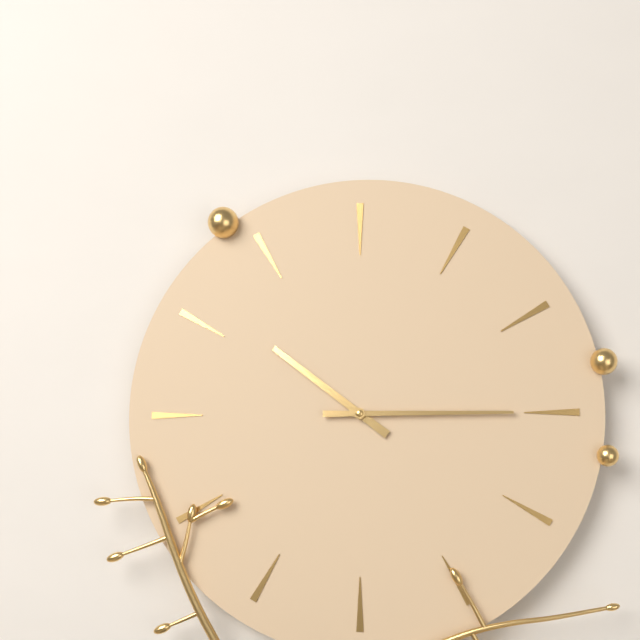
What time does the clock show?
10:15
